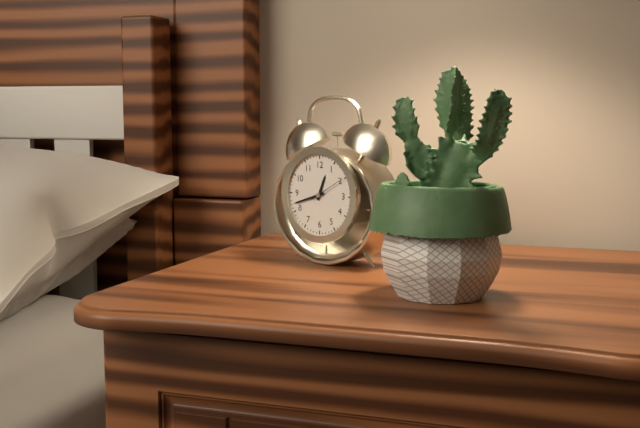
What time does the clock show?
12:42
